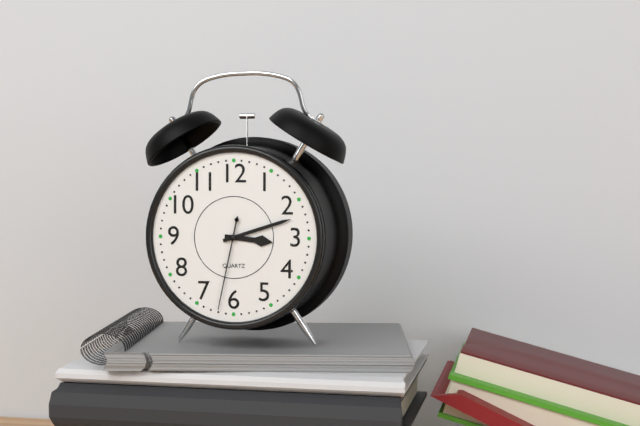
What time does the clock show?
3:12:32
